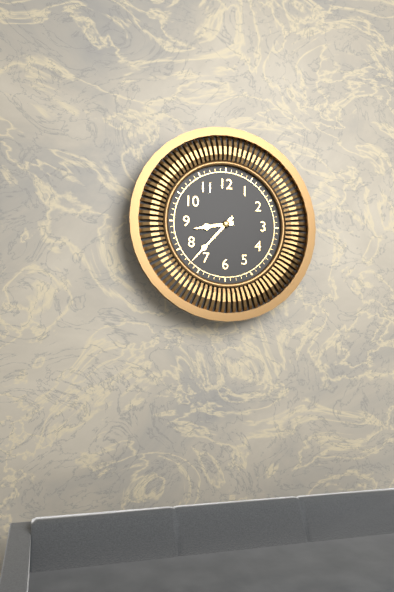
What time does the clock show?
8:37
